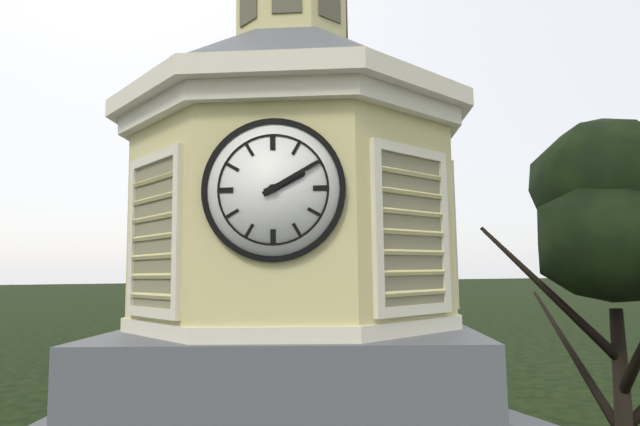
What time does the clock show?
2:10
